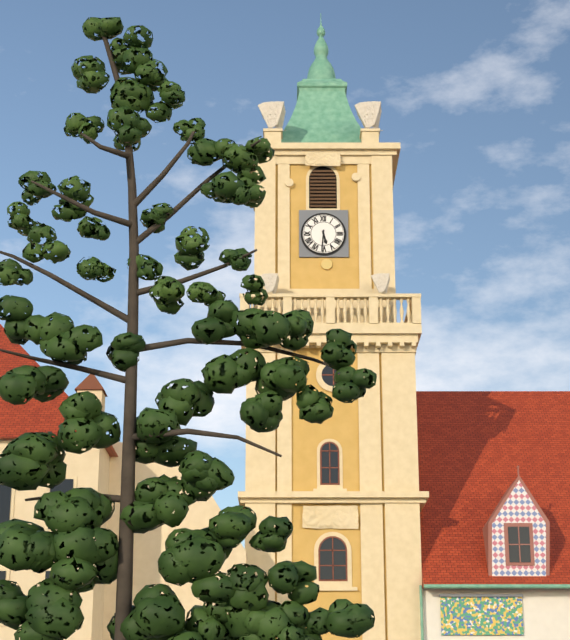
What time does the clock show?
5:31
